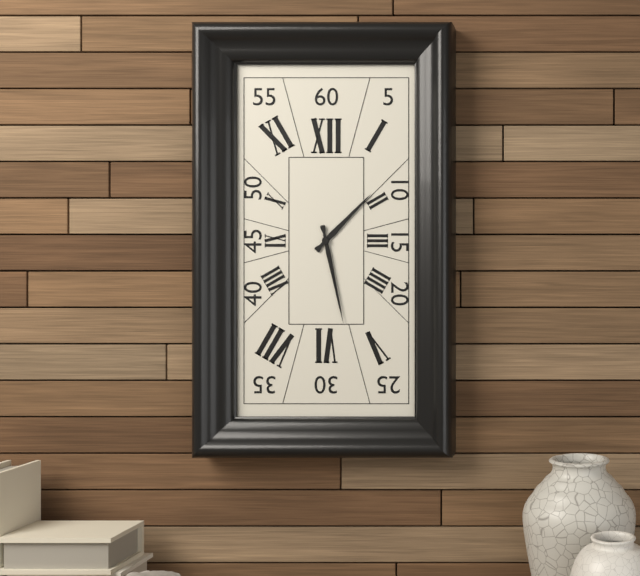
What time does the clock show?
1:28
